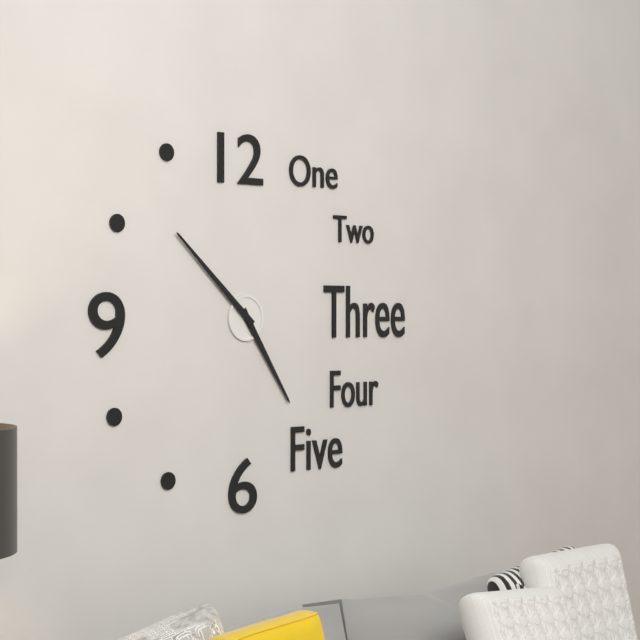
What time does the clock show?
4:52
